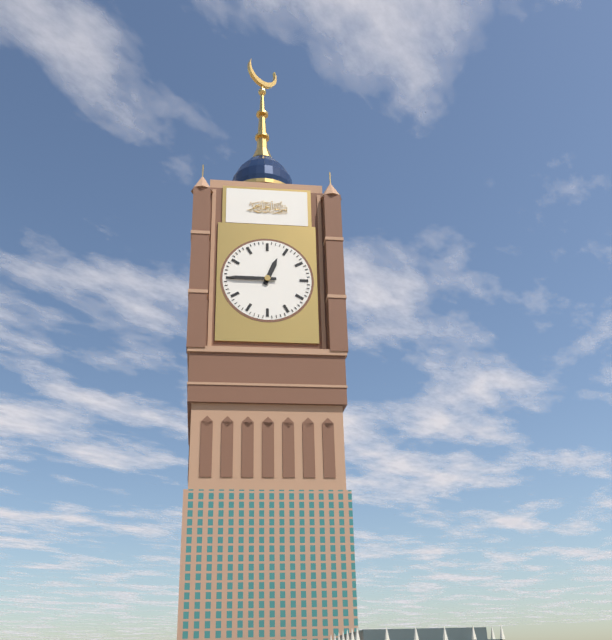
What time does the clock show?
12:45
